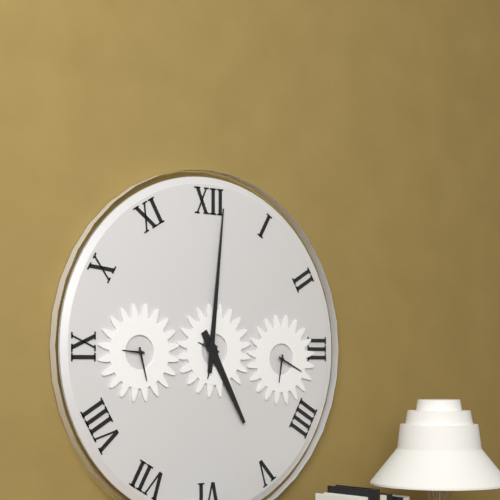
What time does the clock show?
5:01
